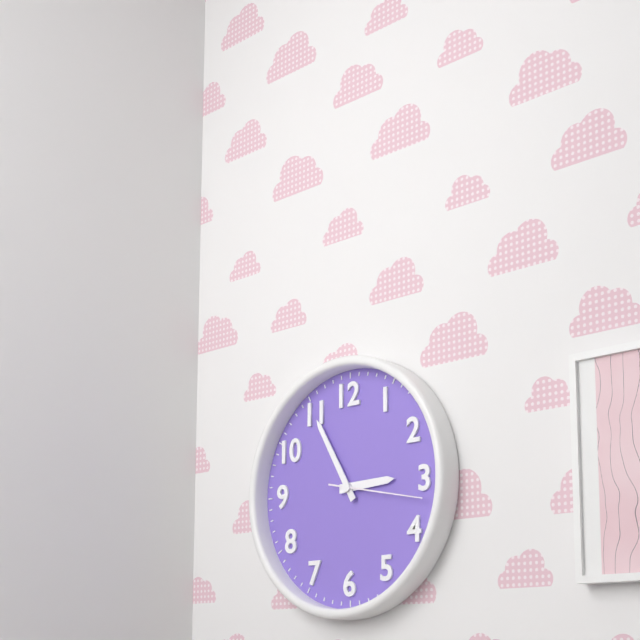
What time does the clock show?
2:55:17
